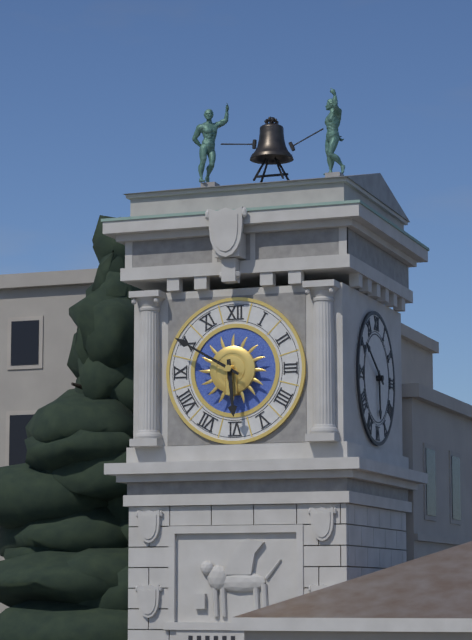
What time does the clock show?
5:50
